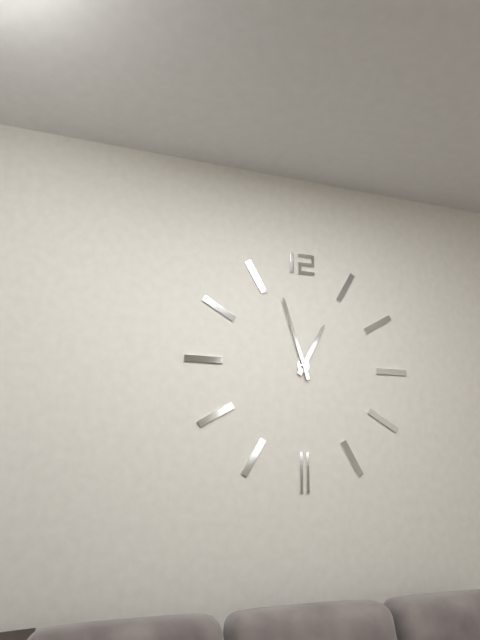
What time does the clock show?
12:57
